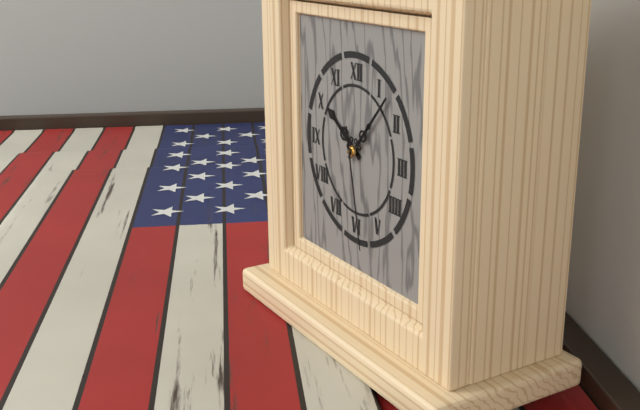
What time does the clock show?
10:07:28
